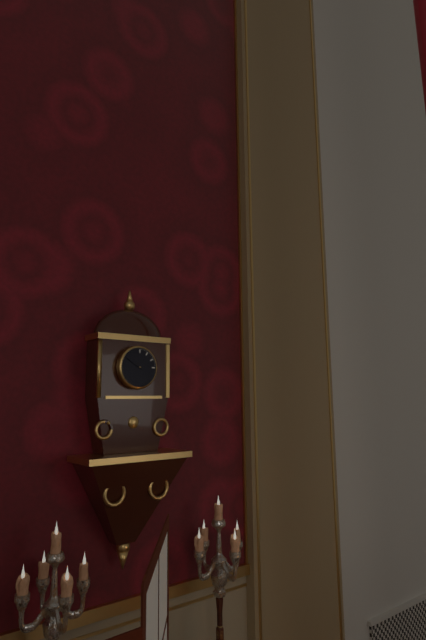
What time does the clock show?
2:50
